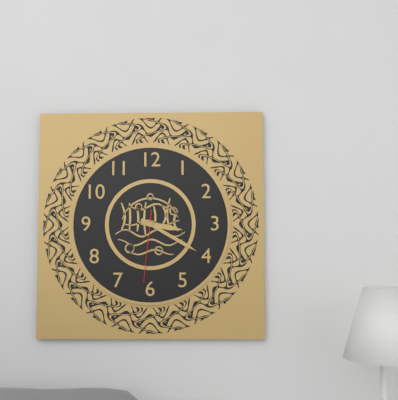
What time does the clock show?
3:20:31
